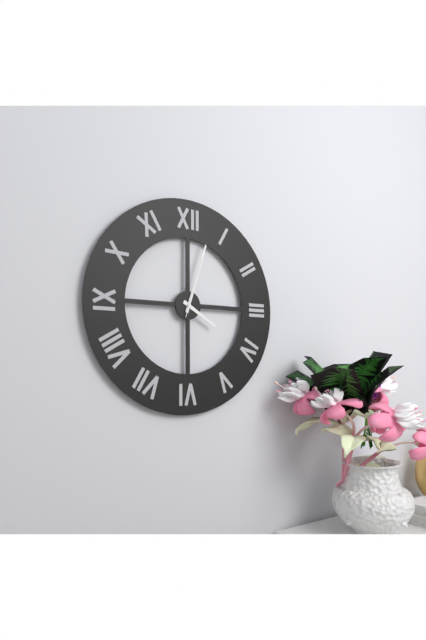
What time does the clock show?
4:03:03
